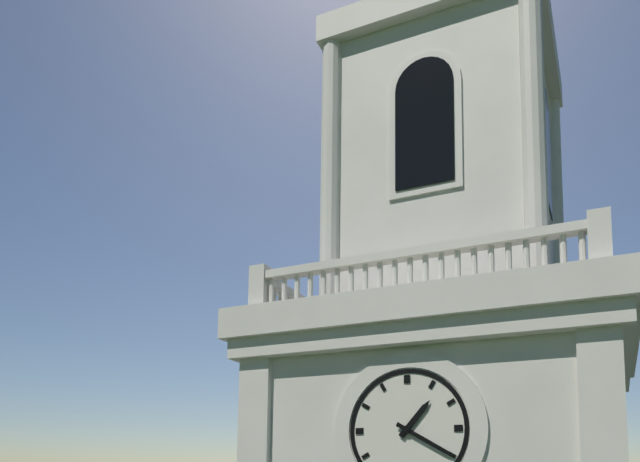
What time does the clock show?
1:20
